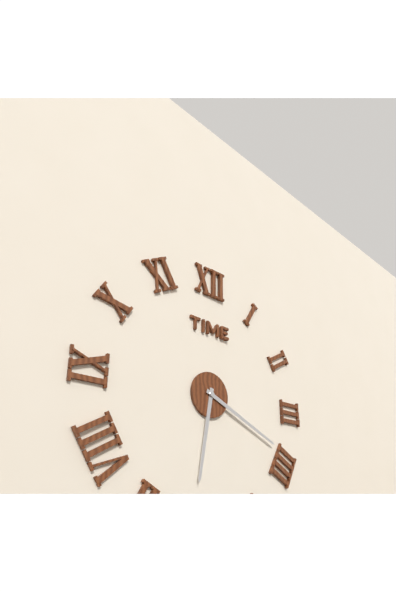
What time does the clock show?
6:19
